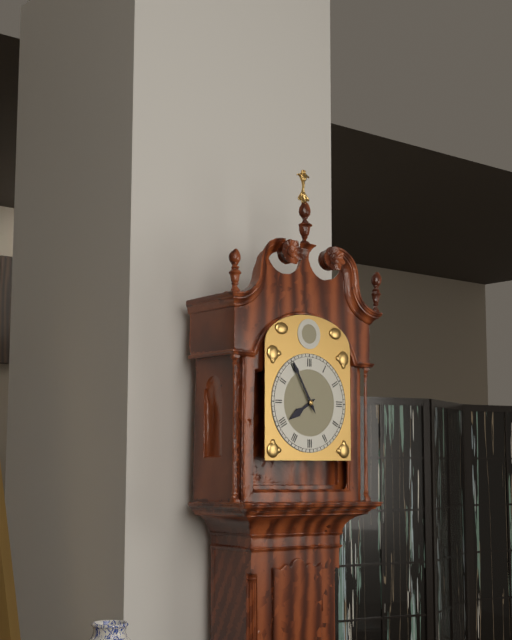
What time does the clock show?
7:55
